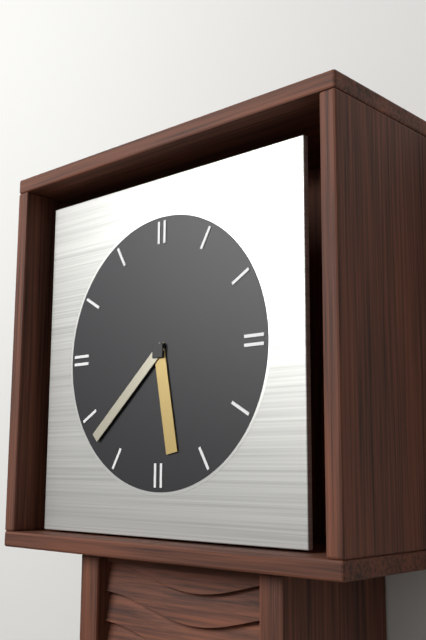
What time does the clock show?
5:38
